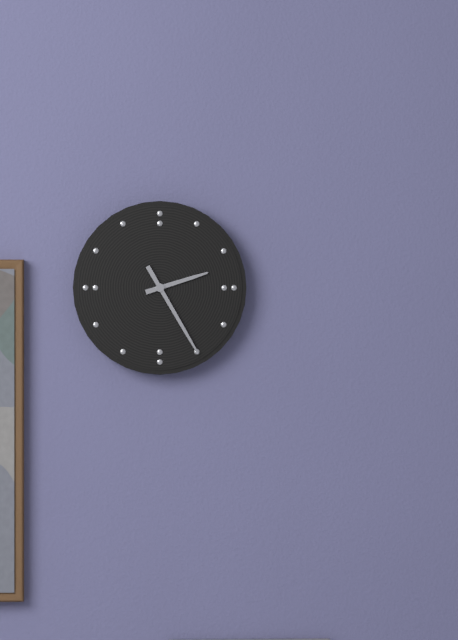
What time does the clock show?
2:25
